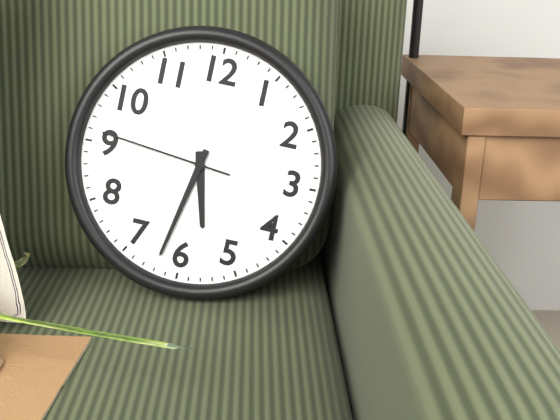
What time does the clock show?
5:32:46
